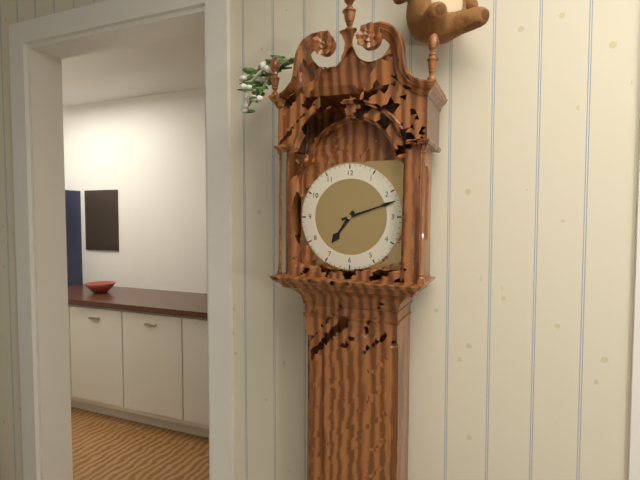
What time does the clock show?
7:12
